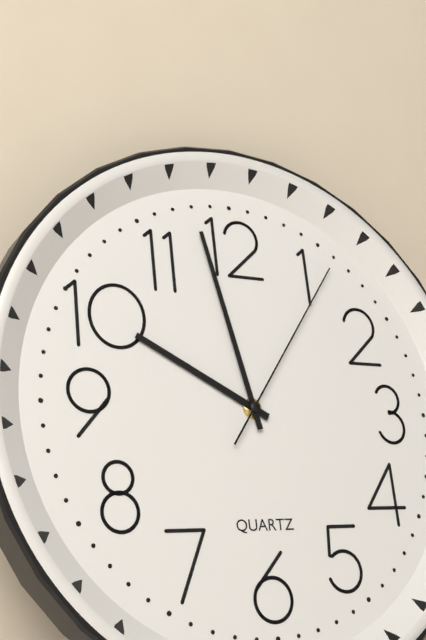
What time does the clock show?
9:58:06
